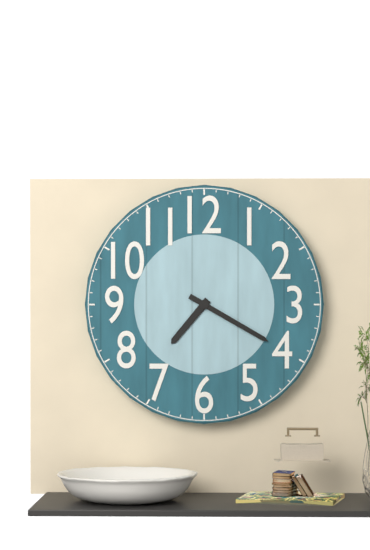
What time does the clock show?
7:20
